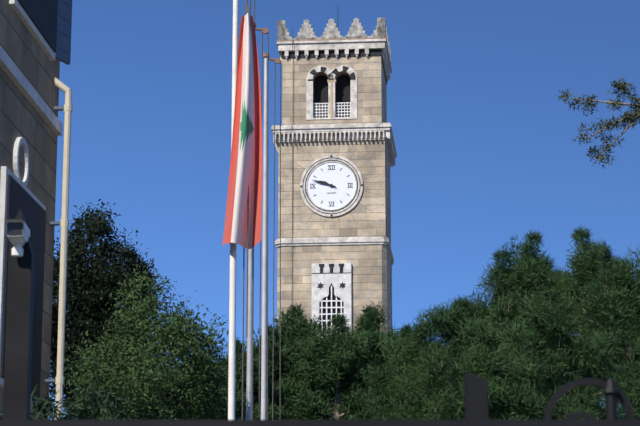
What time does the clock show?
9:48
